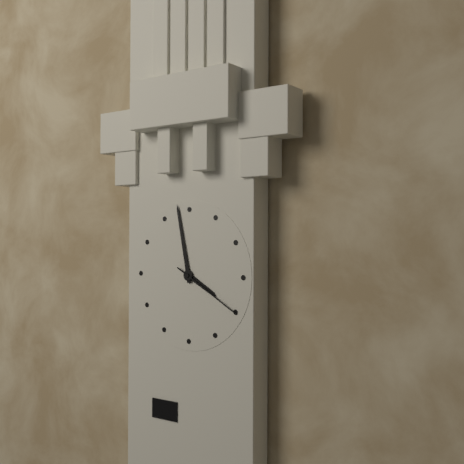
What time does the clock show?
3:58:20
